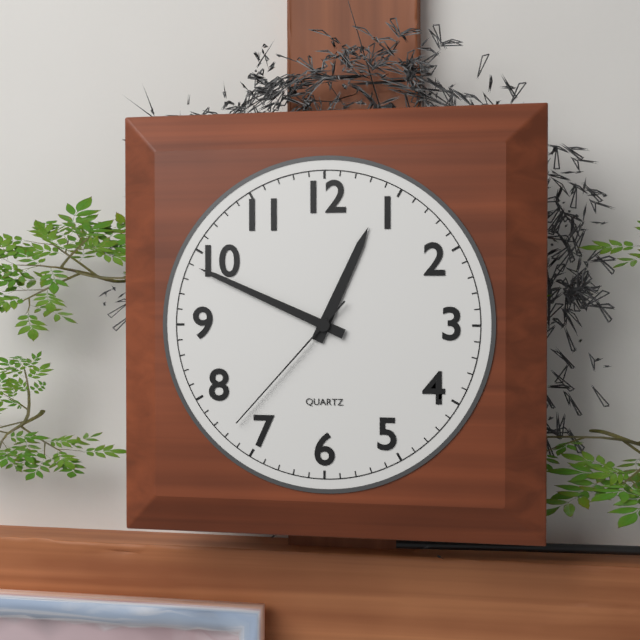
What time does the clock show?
12:49:37
